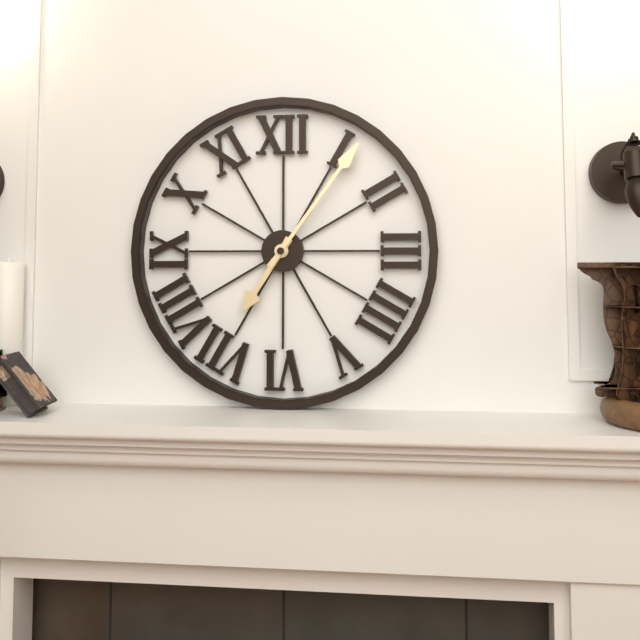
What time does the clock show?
7:06
